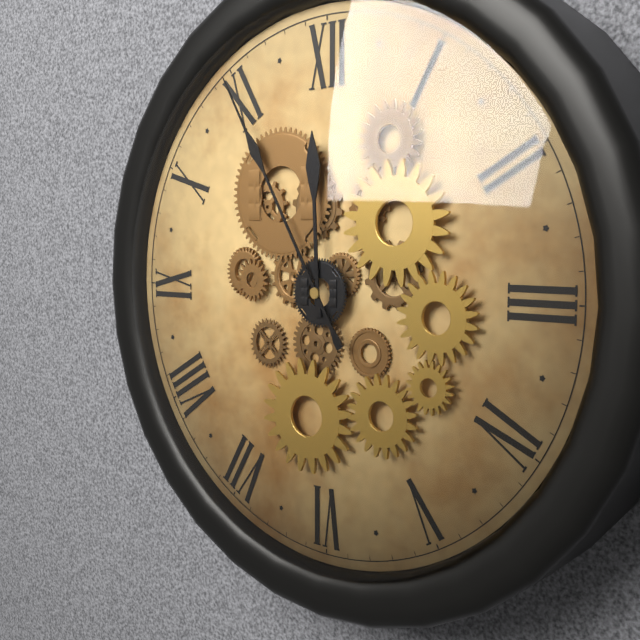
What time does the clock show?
11:55
